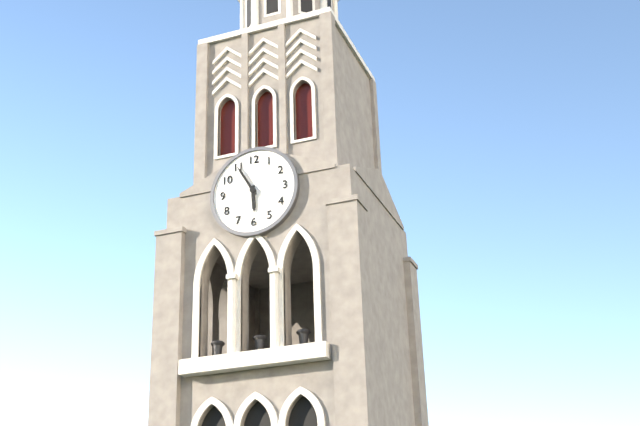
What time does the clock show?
5:55
